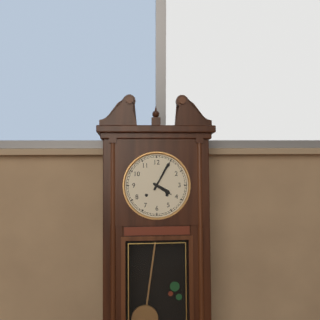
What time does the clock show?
4:05
